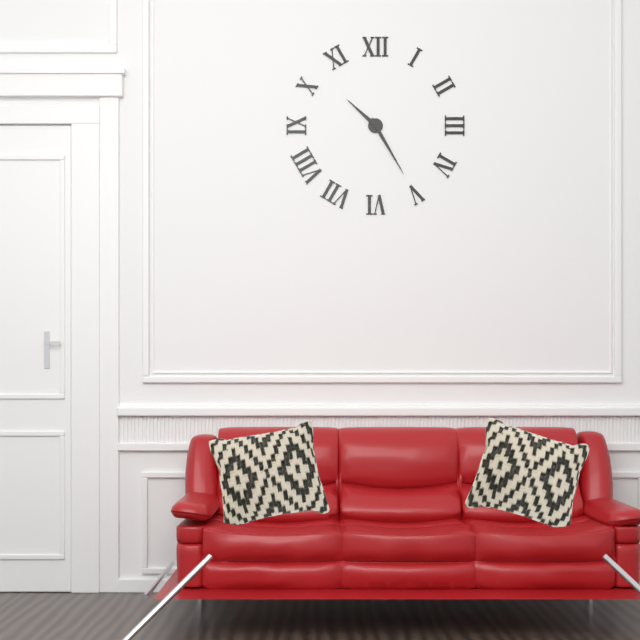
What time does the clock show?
10:25
